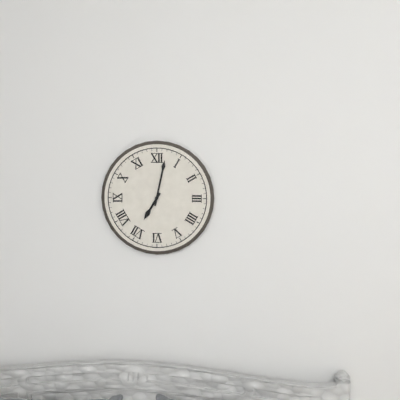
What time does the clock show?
7:02
